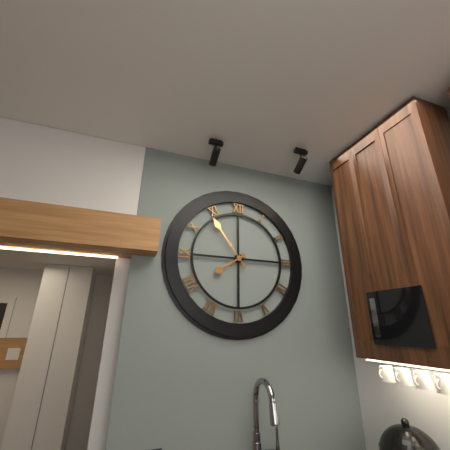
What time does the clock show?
7:54
